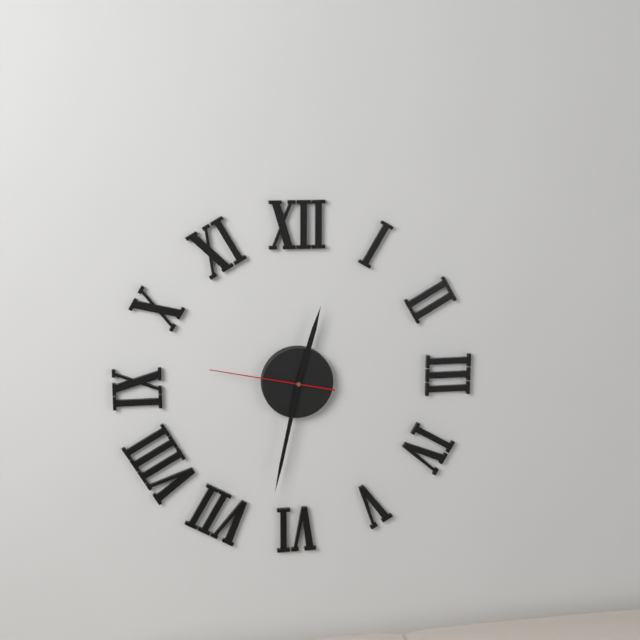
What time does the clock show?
12:32:47
